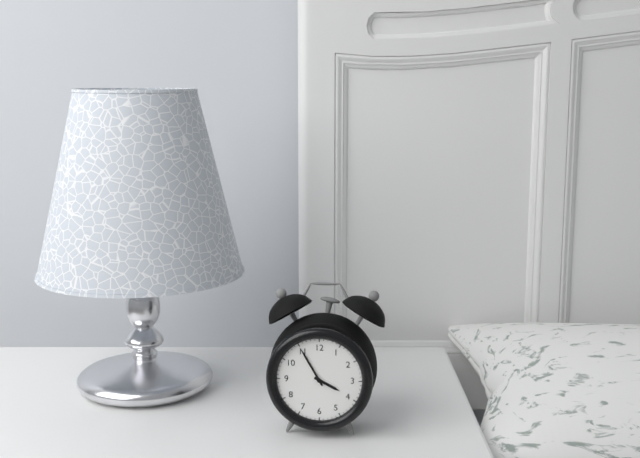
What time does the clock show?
3:55
